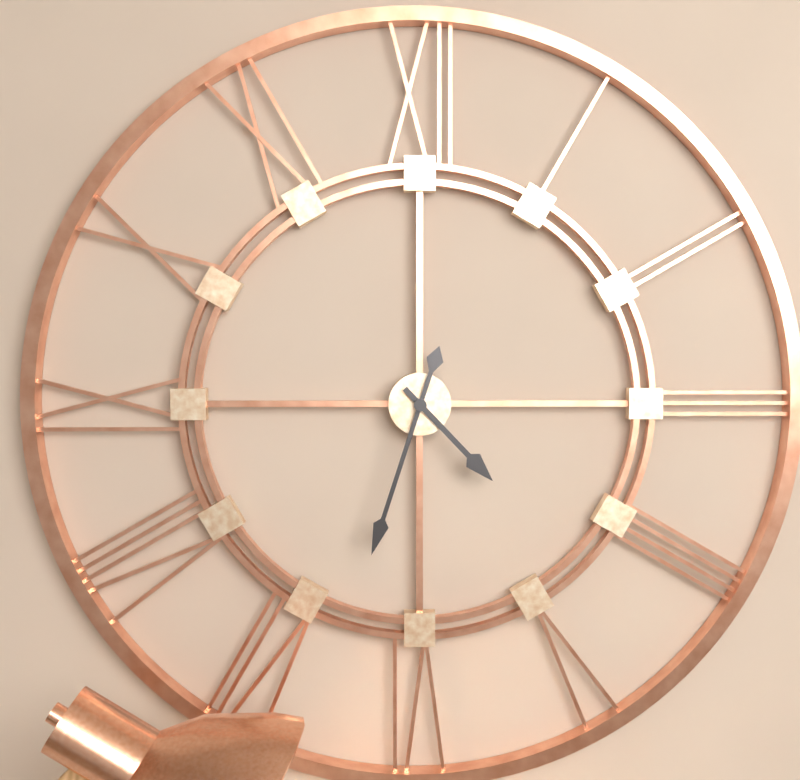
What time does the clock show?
4:33
